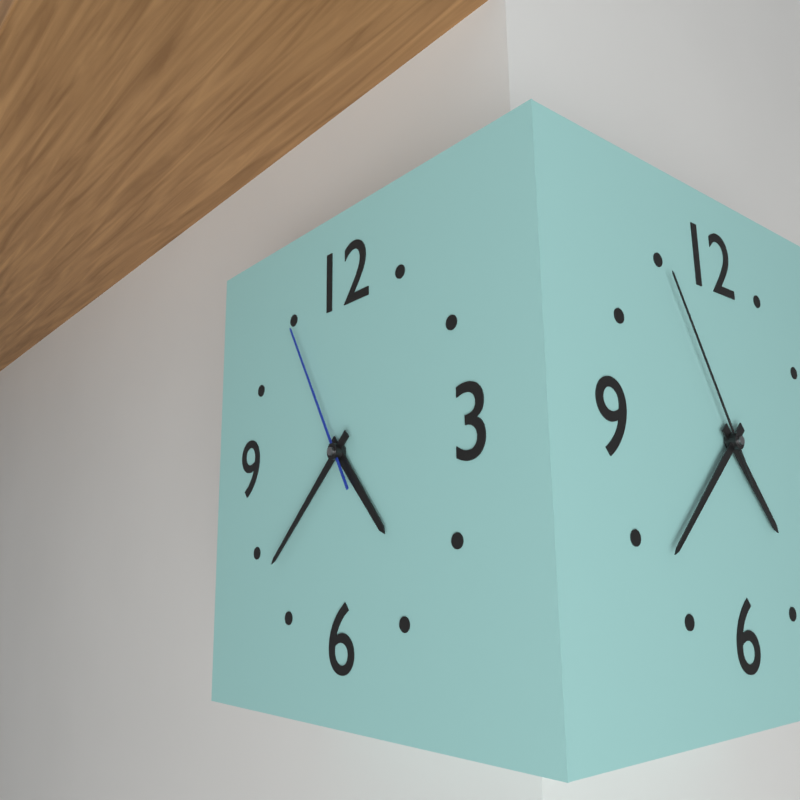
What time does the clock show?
4:38:55
